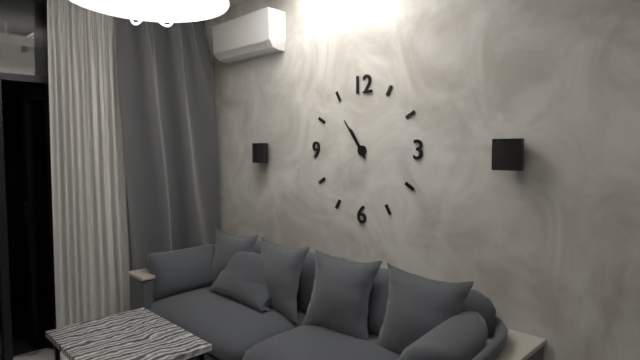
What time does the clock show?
10:54
